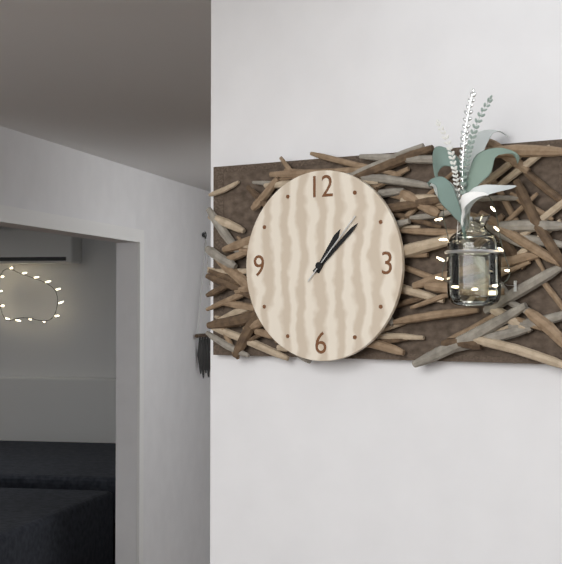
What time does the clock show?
1:08:07
